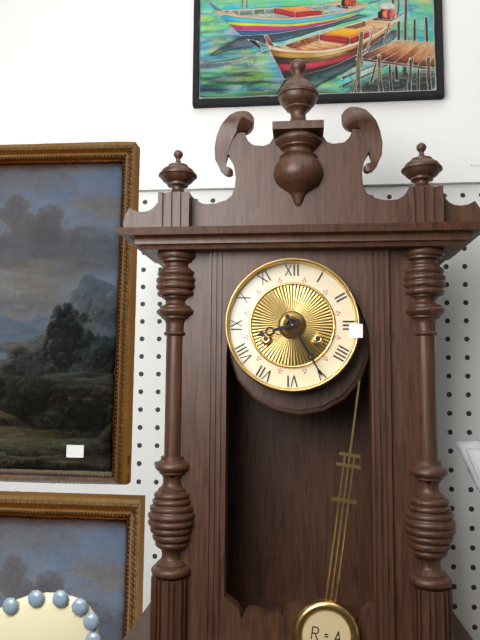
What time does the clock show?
8:25
